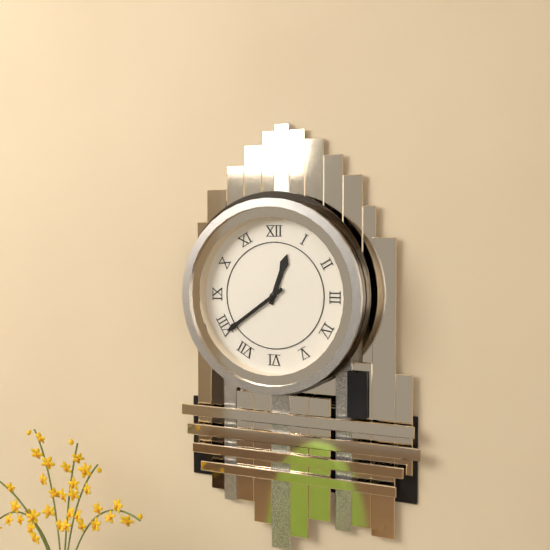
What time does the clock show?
12:39
